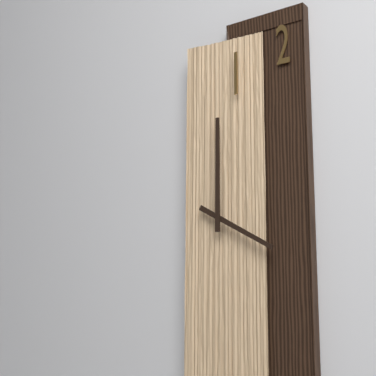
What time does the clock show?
4:00
